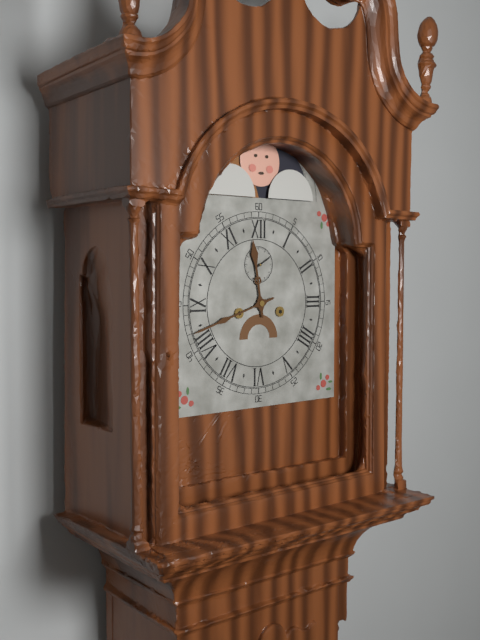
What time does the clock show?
11:42
